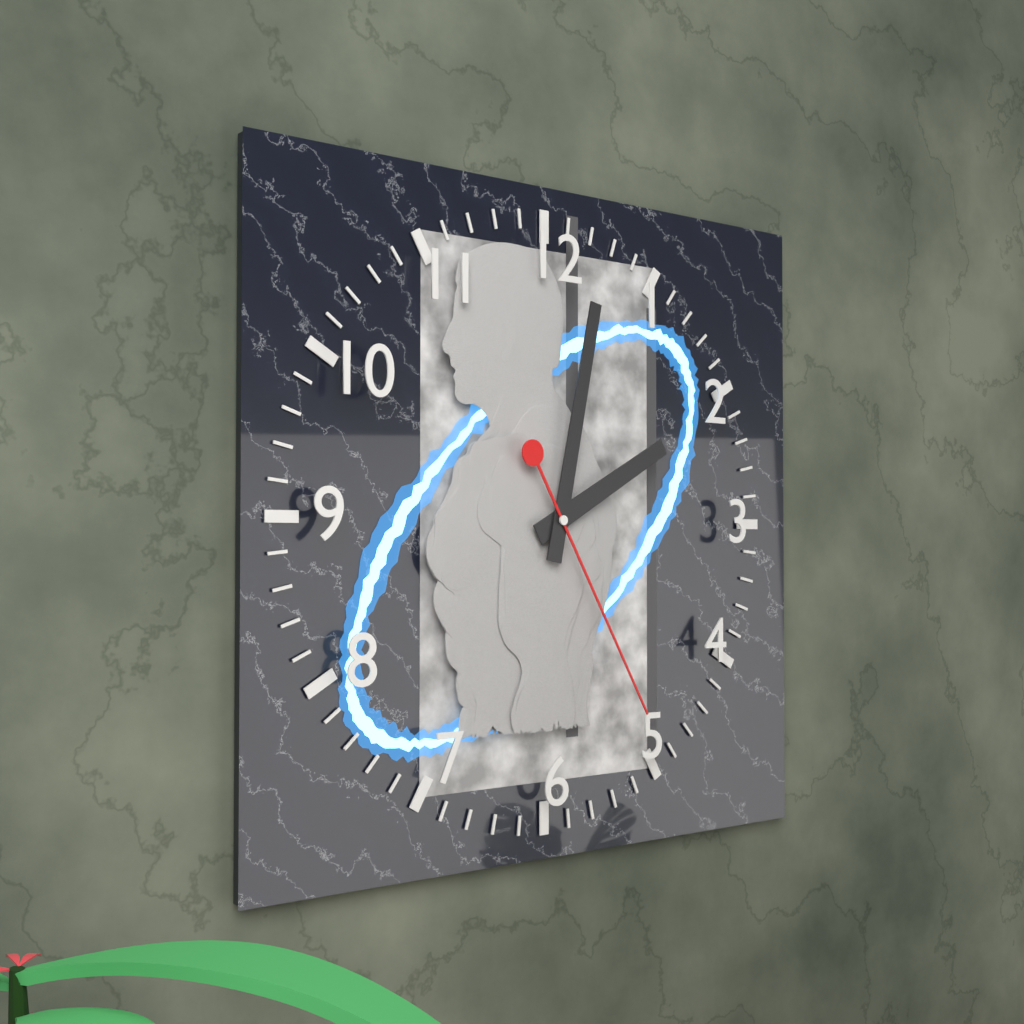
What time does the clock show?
2:02:25
